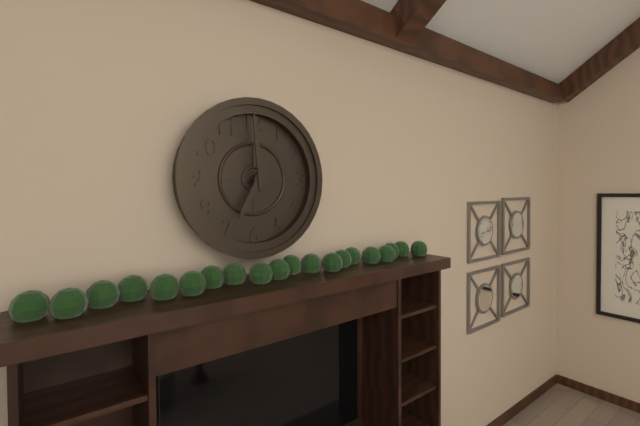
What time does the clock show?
6:59
